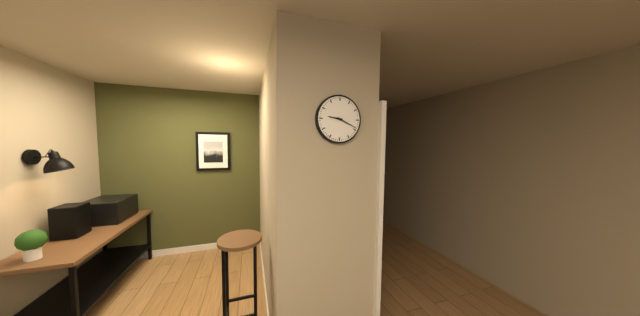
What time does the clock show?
9:19
